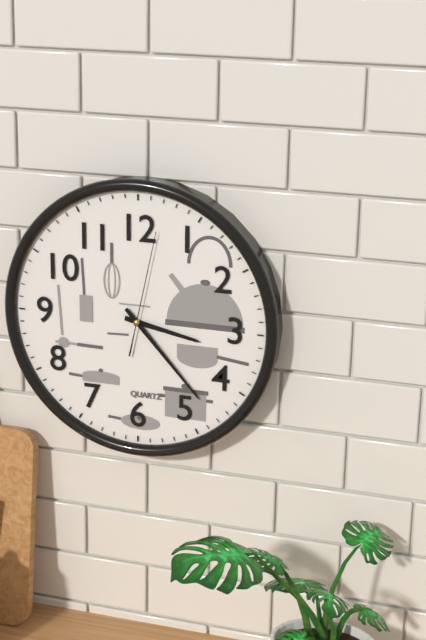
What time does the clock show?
3:23:02
